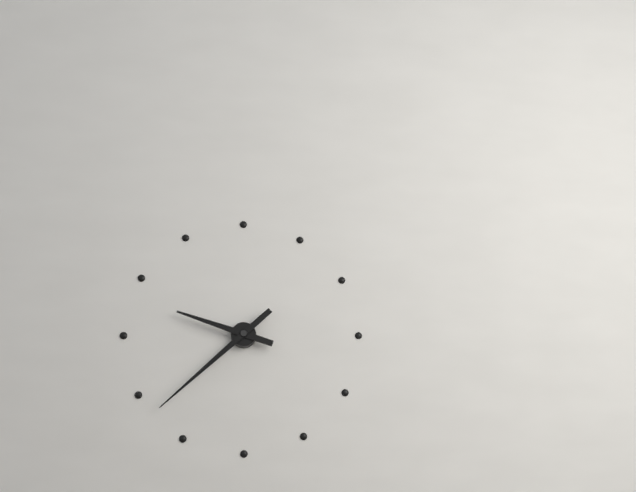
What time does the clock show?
9:38
